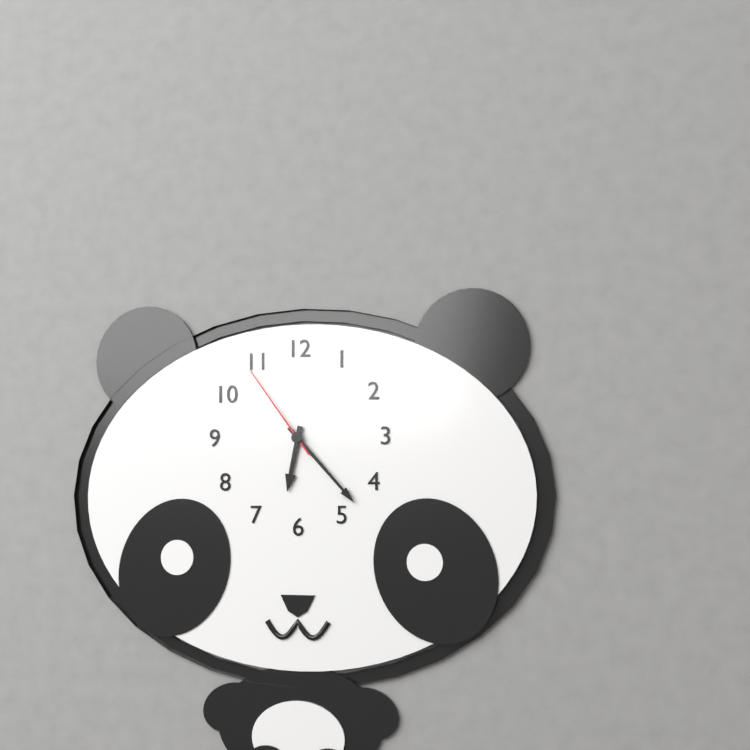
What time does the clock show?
6:23:54
